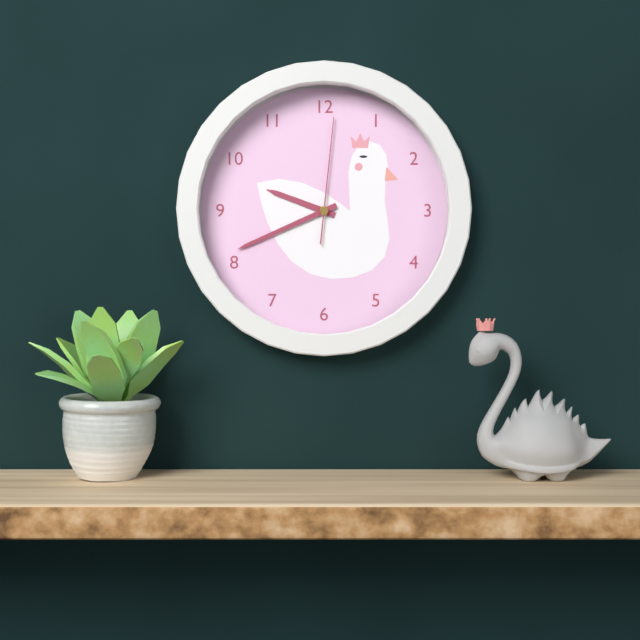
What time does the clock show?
9:41:01
